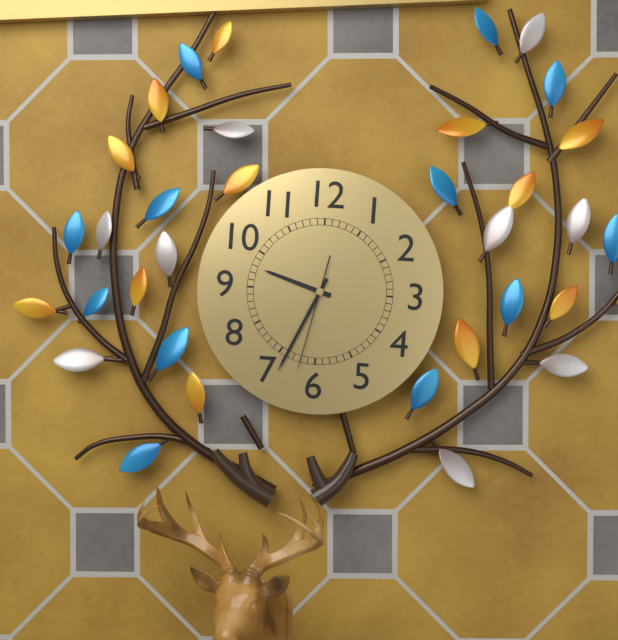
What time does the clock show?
9:34:32
